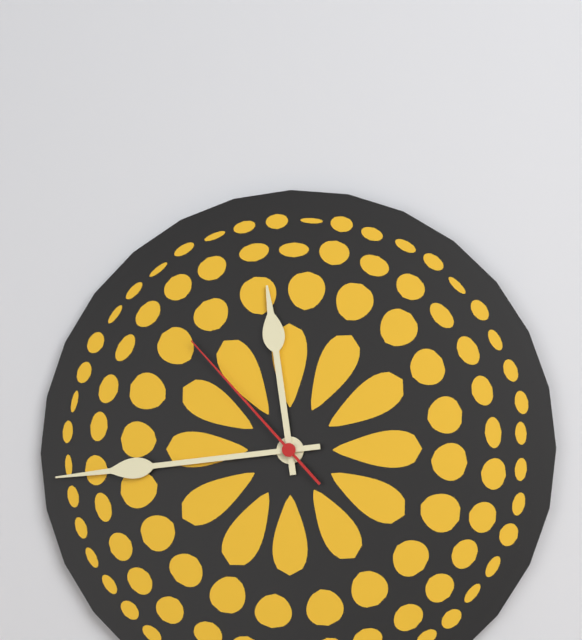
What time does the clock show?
11:44:53
